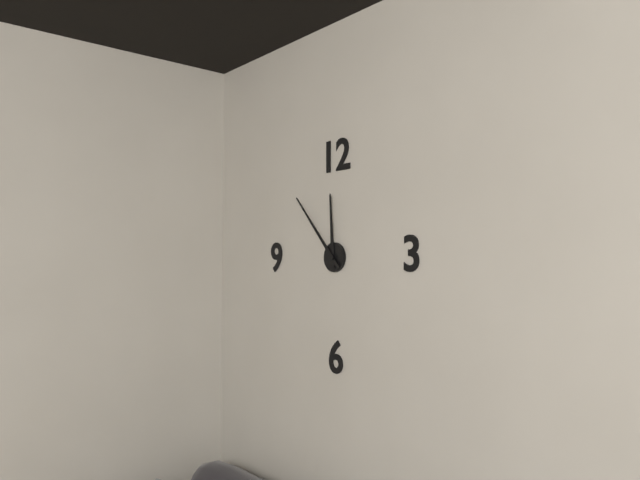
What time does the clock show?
11:53
